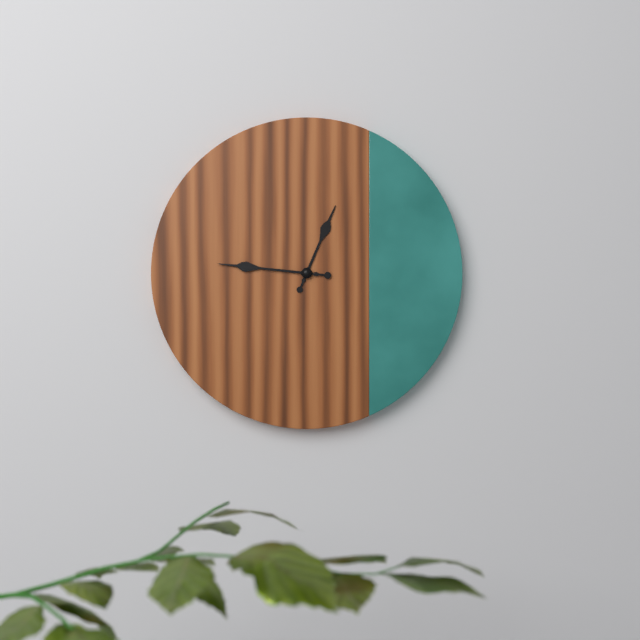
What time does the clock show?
12:46
